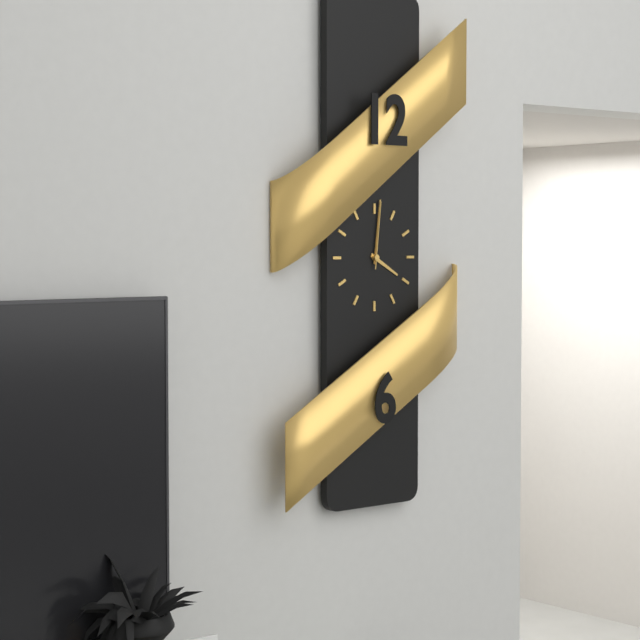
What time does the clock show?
4:01:01
